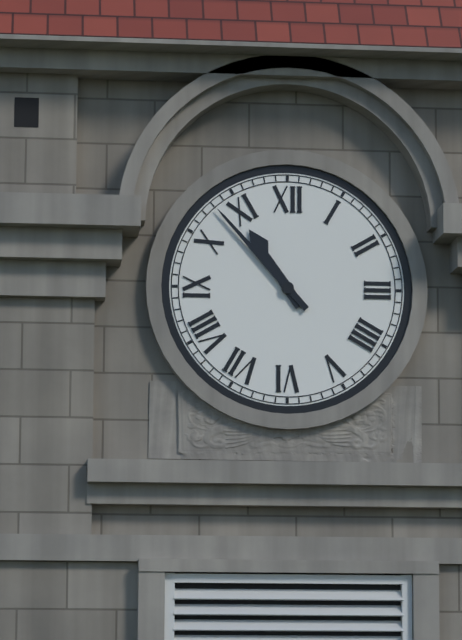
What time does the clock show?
10:53
